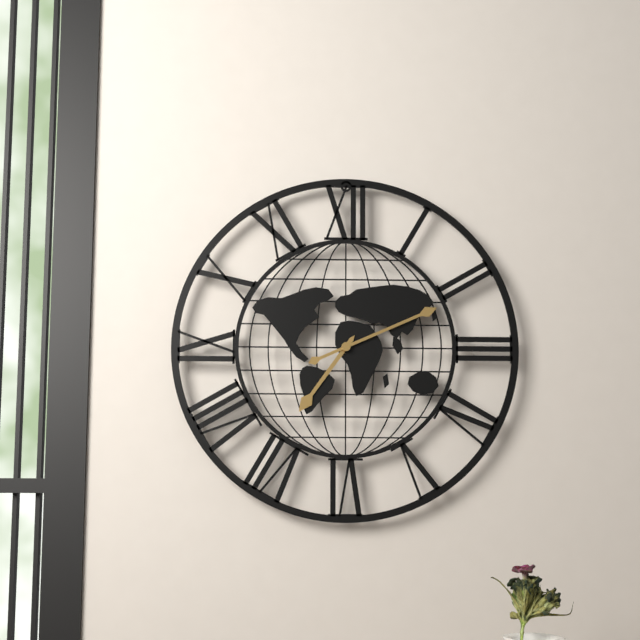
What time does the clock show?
7:11
